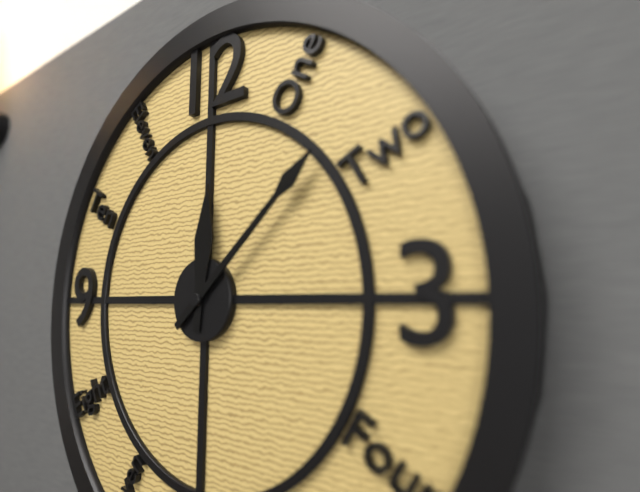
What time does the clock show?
12:08
